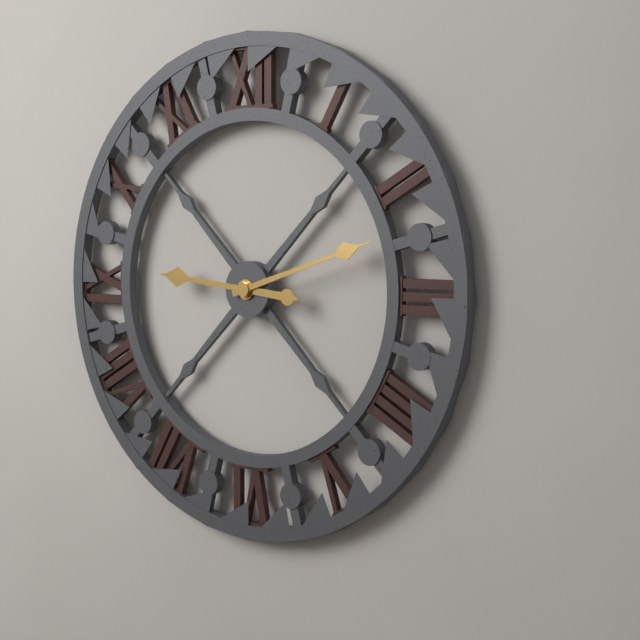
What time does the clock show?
9:12
